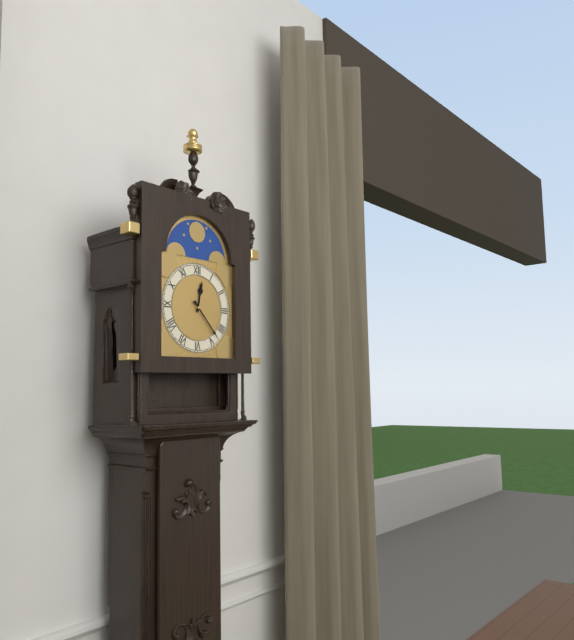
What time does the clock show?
12:23
